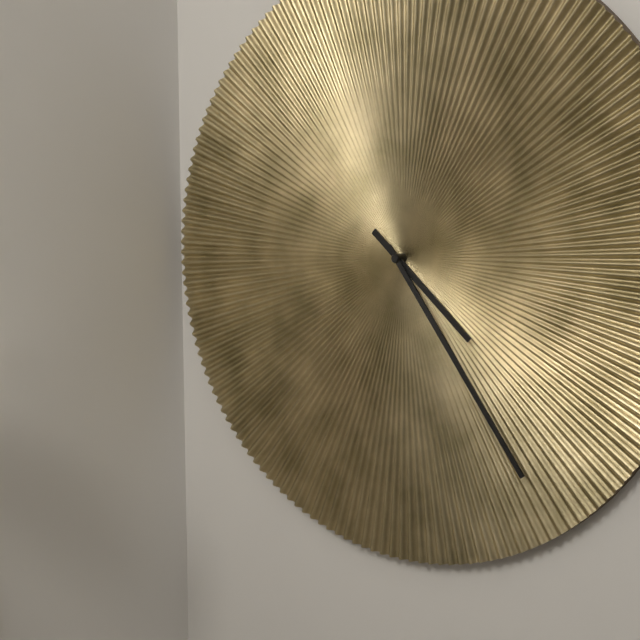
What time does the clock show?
4:24
